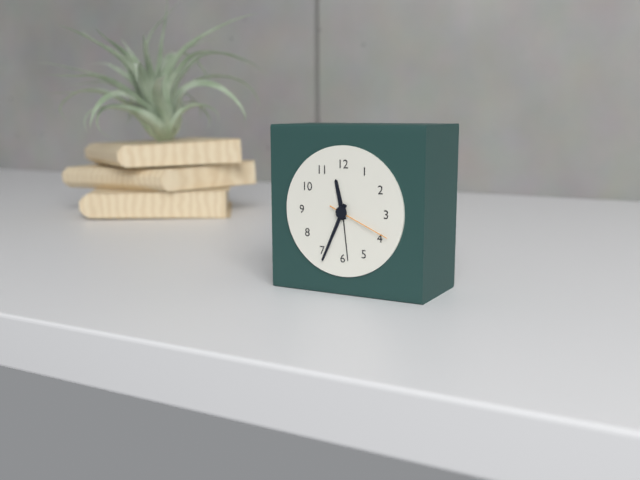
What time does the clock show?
11:34:19
